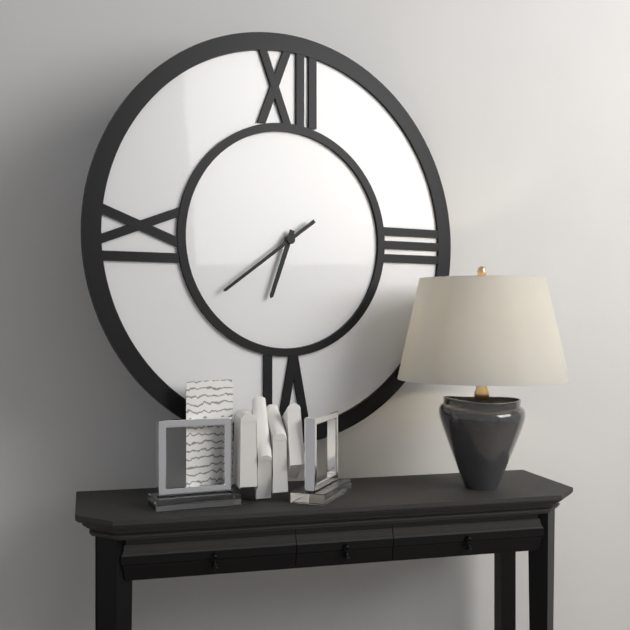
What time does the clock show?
6:39
